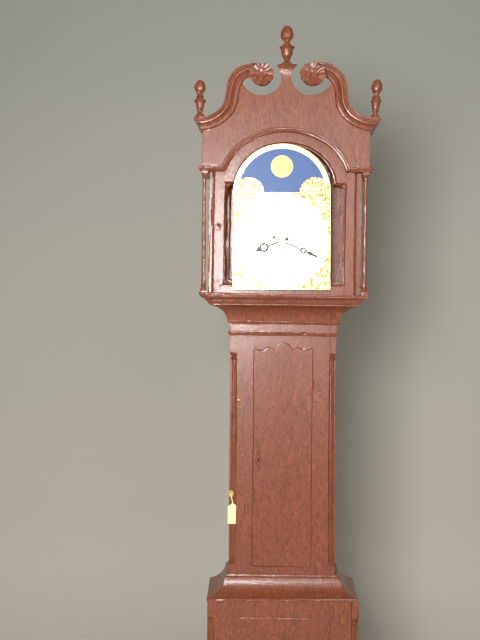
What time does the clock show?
8:19
